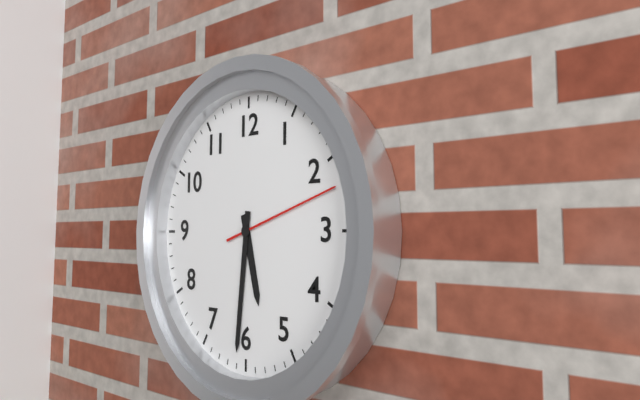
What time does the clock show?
5:31:12
